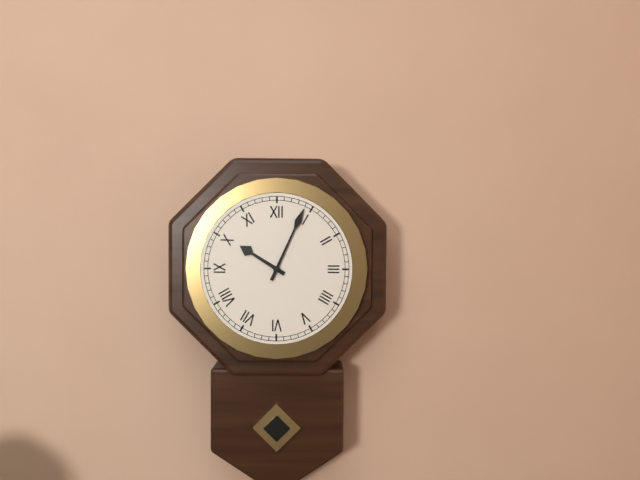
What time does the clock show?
10:04
